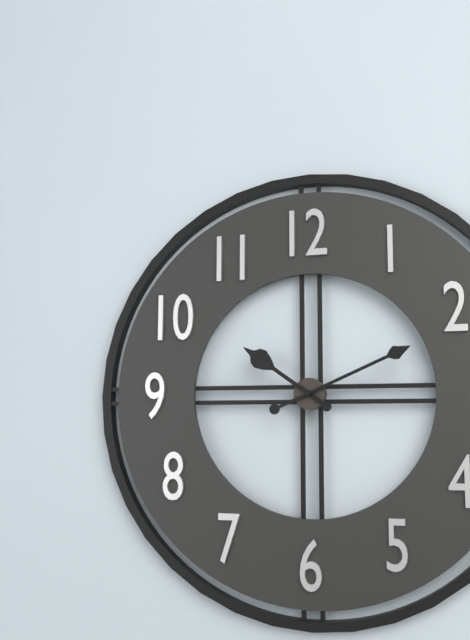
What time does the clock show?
10:11
